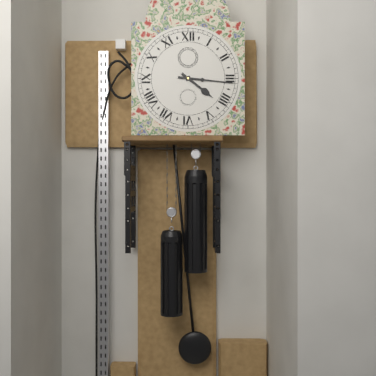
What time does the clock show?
4:16
